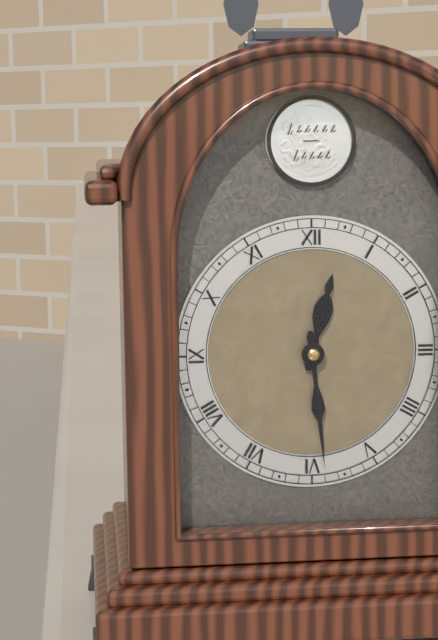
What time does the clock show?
12:29
